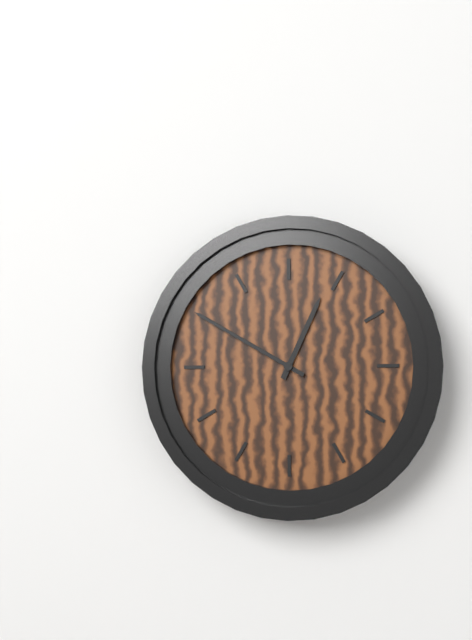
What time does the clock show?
12:50
